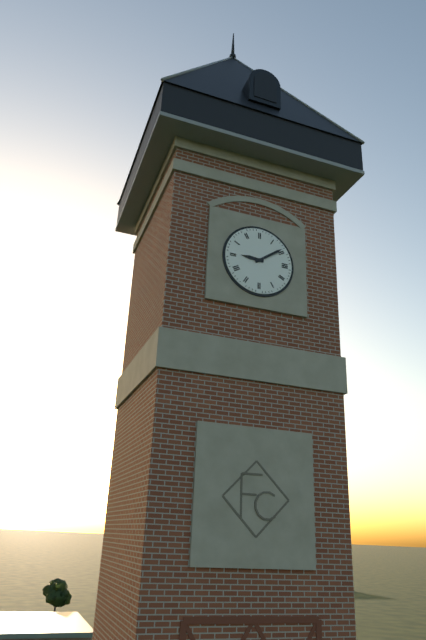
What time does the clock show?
9:09
